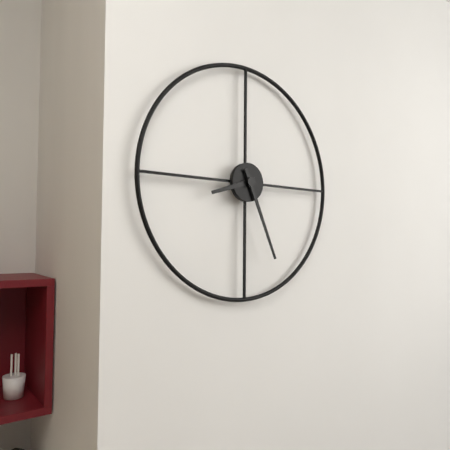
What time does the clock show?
8:26
